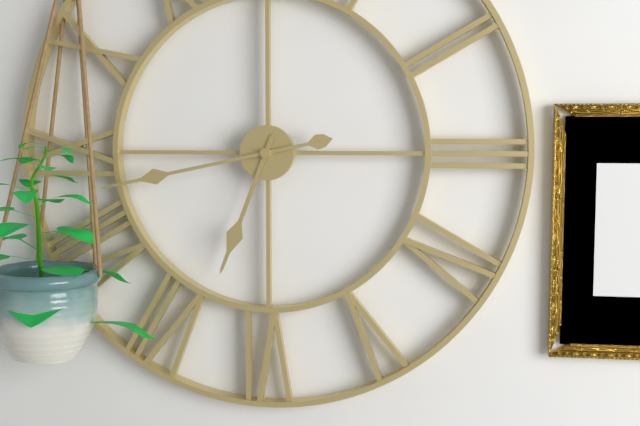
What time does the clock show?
6:43
